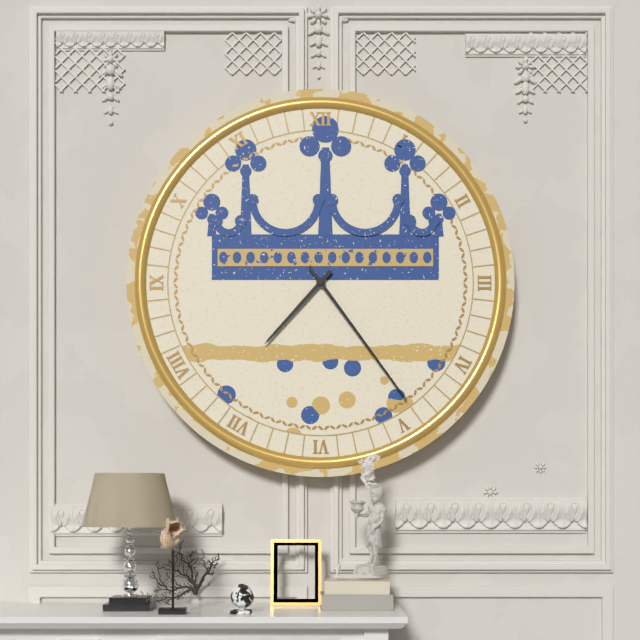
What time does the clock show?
7:24
